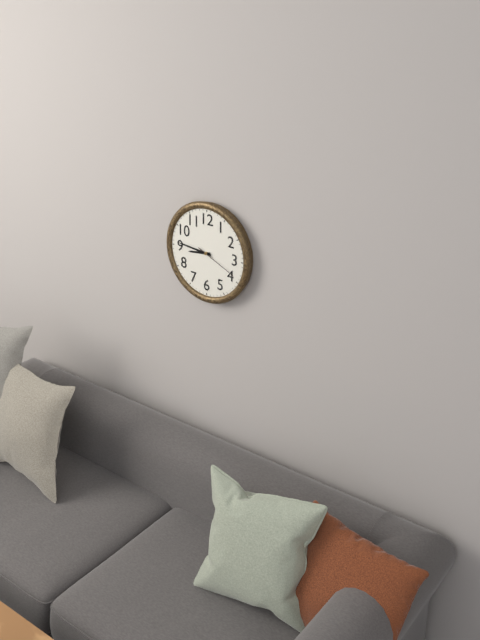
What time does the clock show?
8:46
